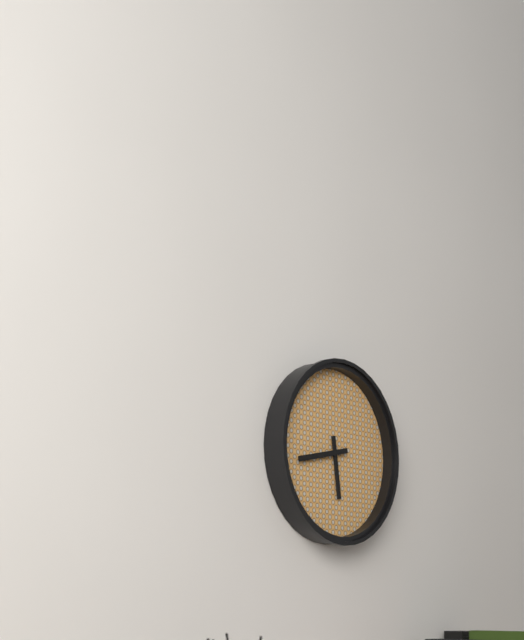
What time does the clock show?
5:43
